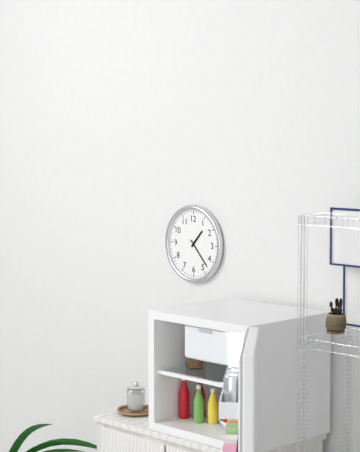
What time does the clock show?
1:23
